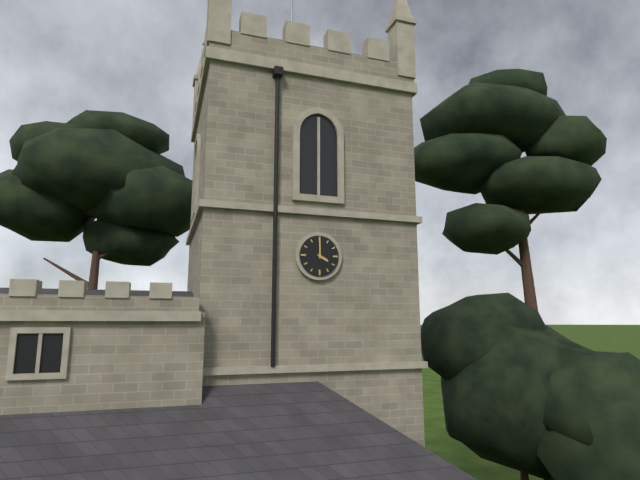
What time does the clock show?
4:00
